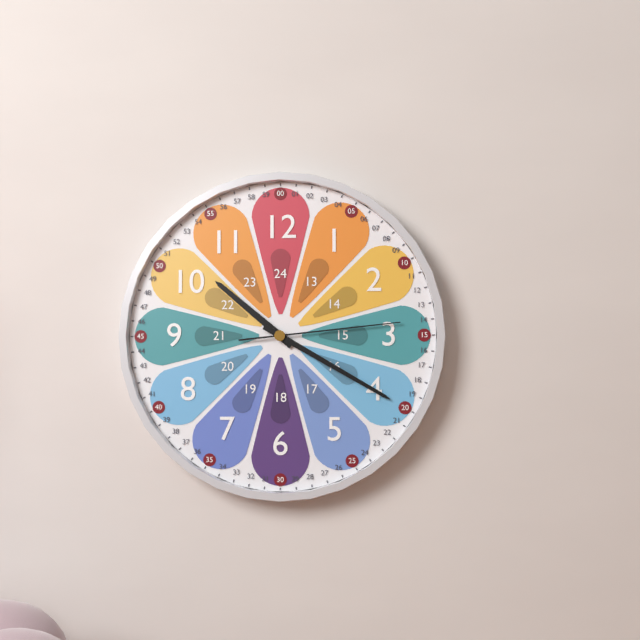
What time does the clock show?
10:20:14
